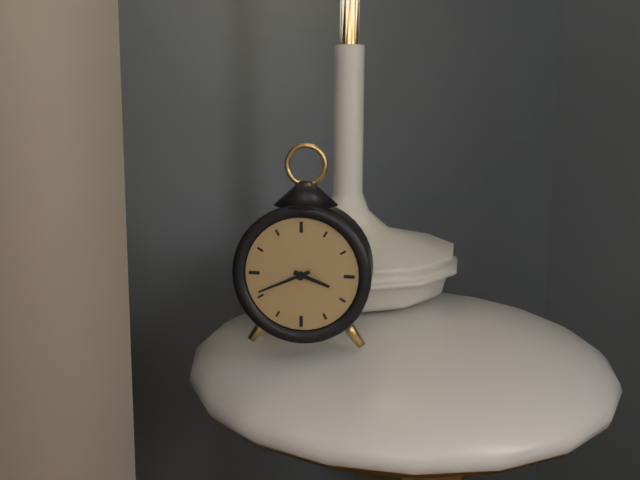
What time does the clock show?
3:41
